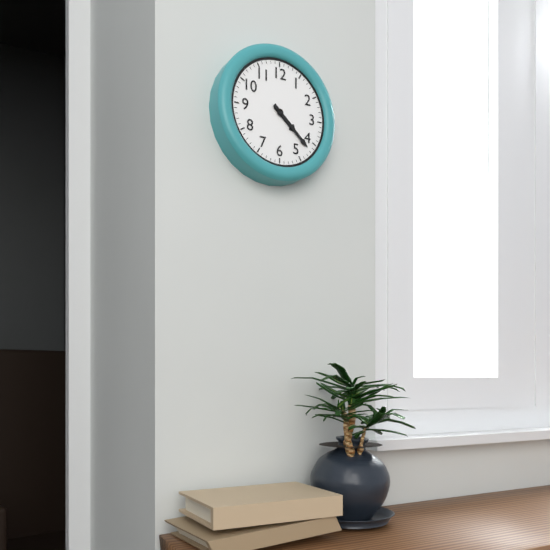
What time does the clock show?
4:22
